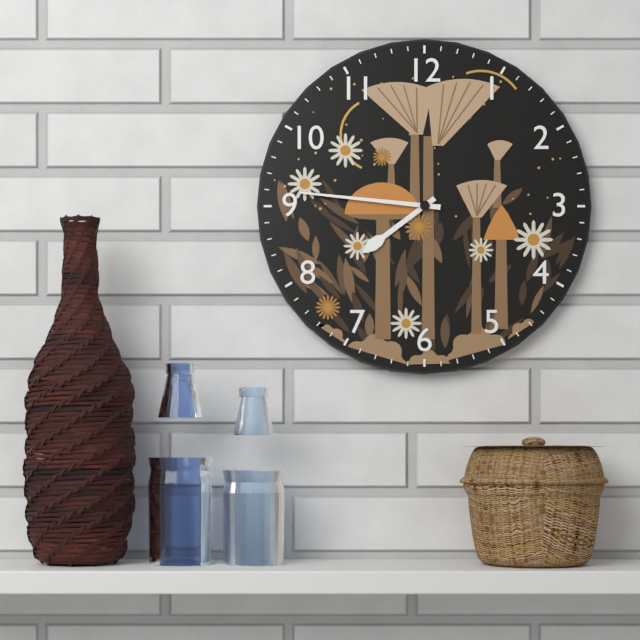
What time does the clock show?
7:46
